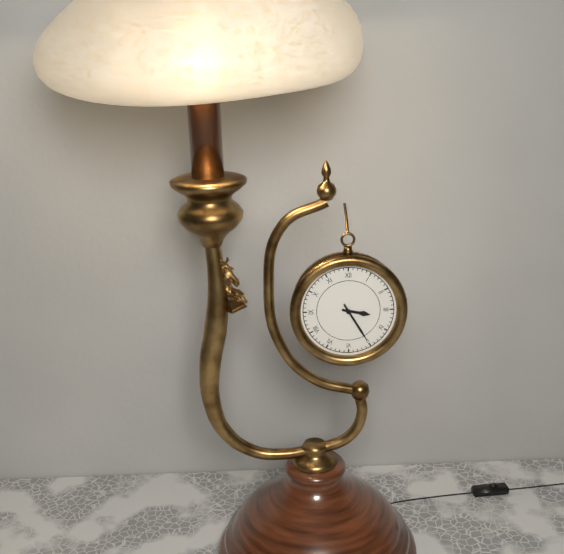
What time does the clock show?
3:25
